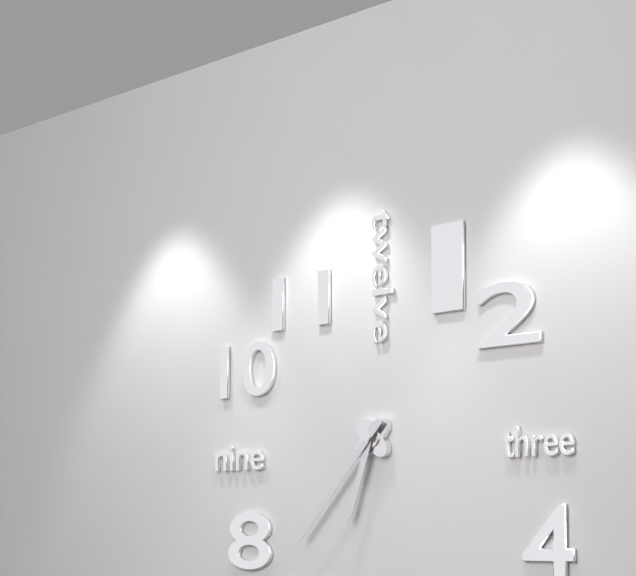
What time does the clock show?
6:37
